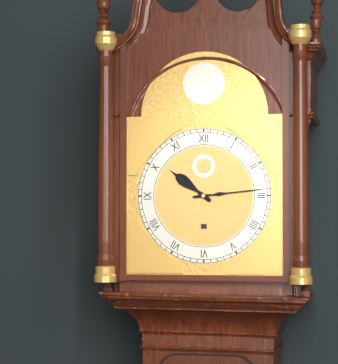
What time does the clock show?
10:14
